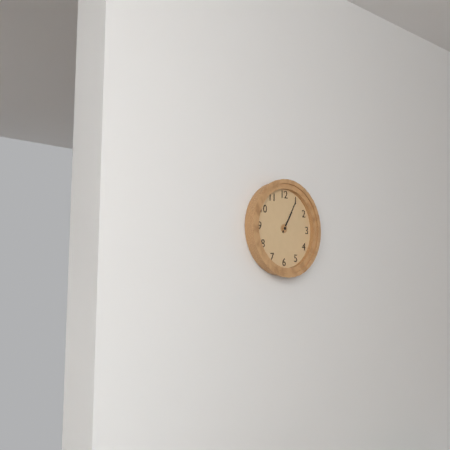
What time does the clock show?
1:05
